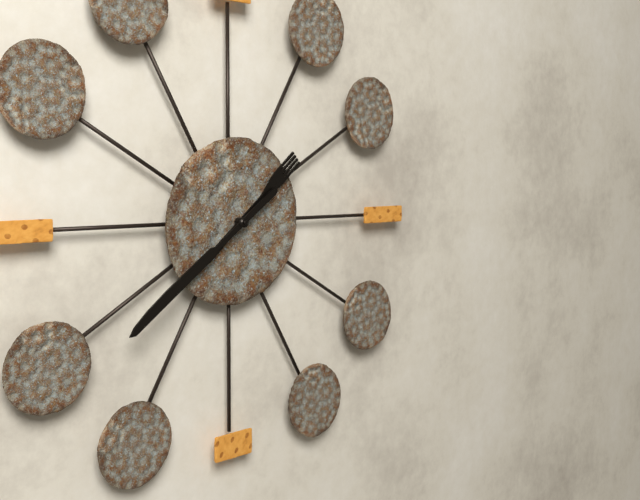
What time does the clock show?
1:39
